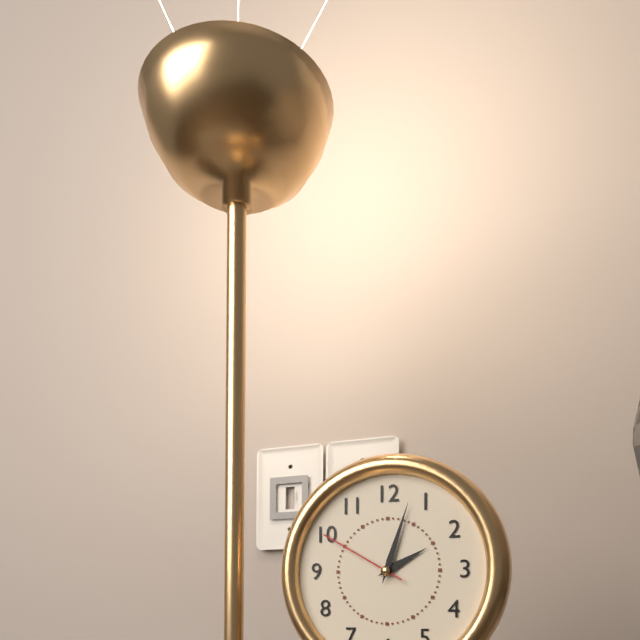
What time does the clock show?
2:03:50
